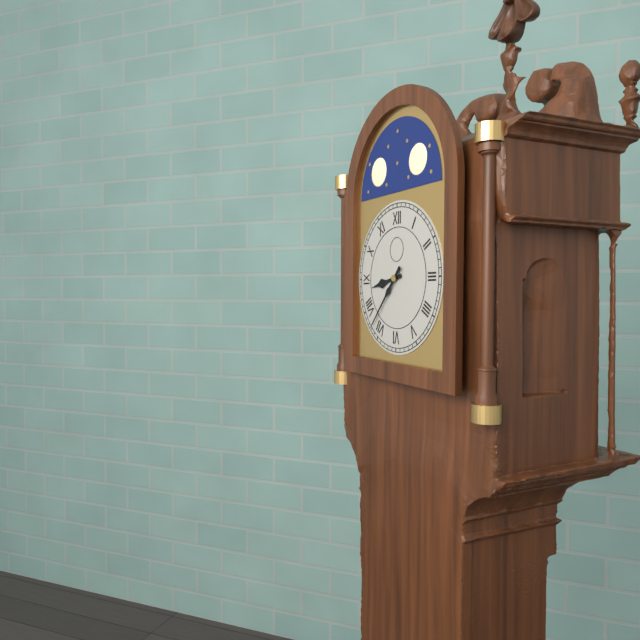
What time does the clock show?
8:37
